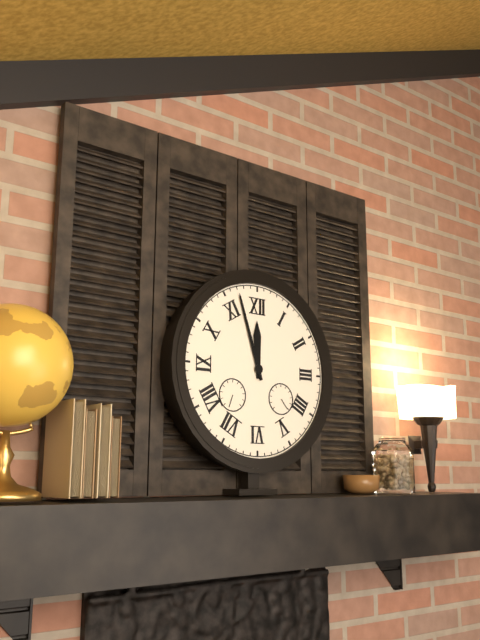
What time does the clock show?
11:57
